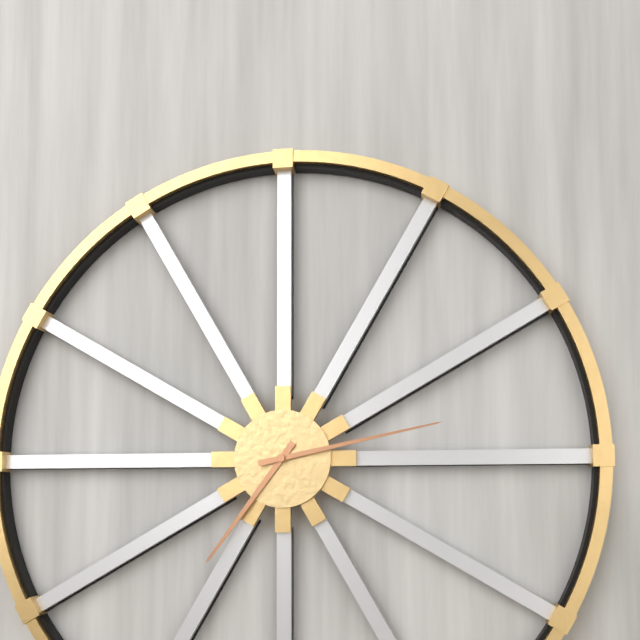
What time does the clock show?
7:13
